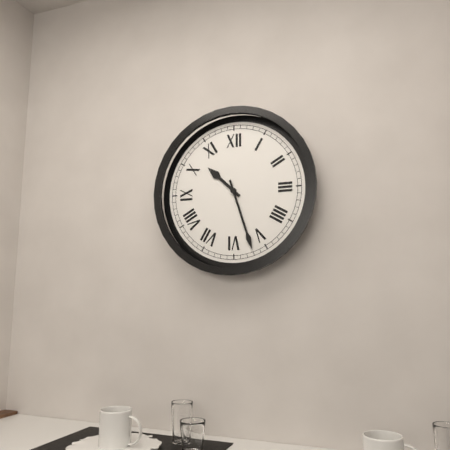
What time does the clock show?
10:27
